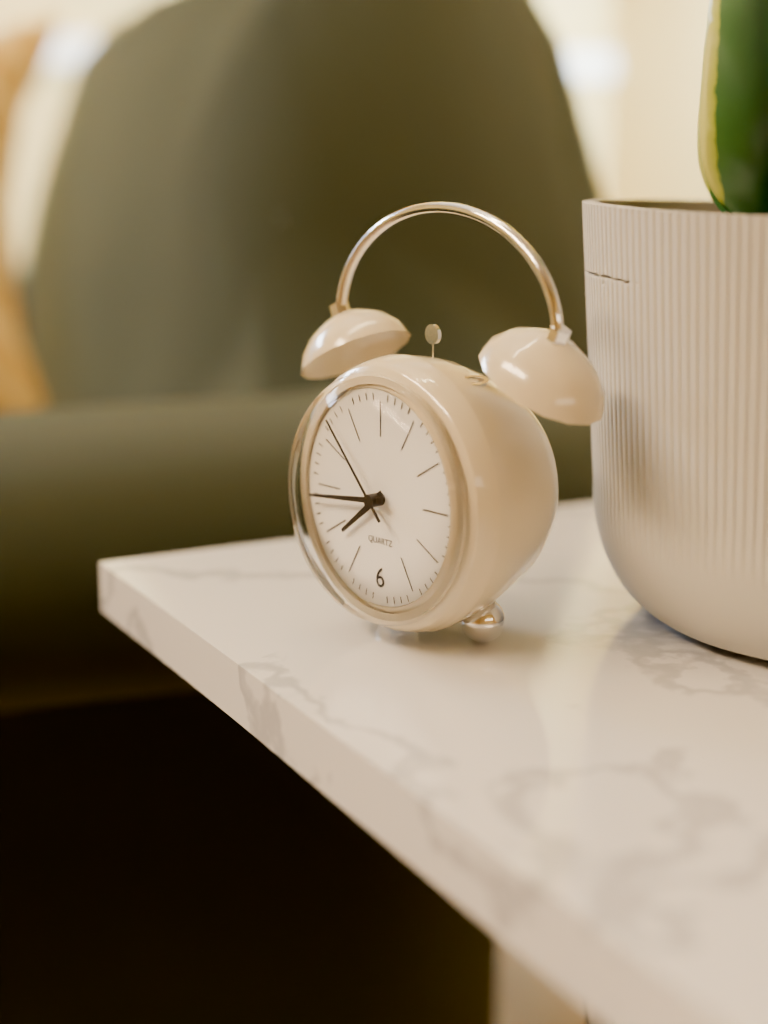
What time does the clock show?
7:44:53
